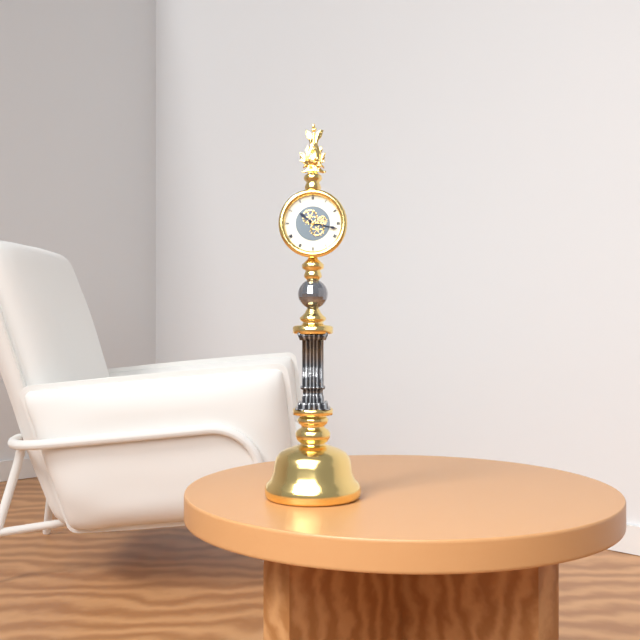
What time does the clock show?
10:17
